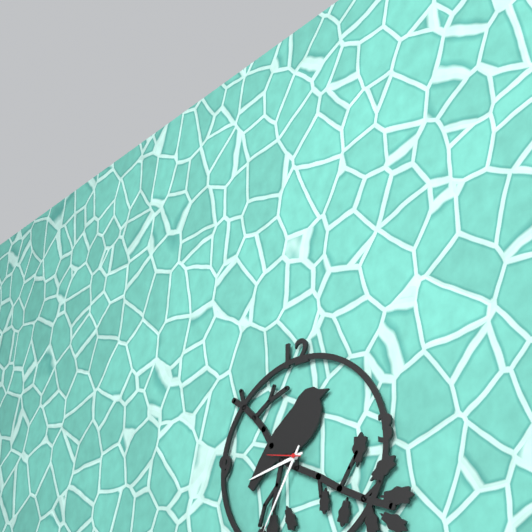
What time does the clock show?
8:35
